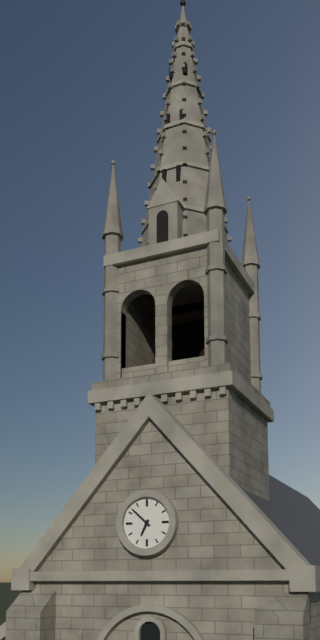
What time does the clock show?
6:52
